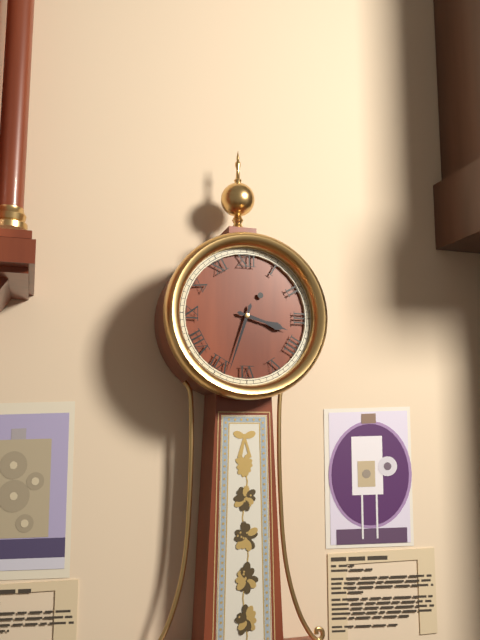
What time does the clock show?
3:33
